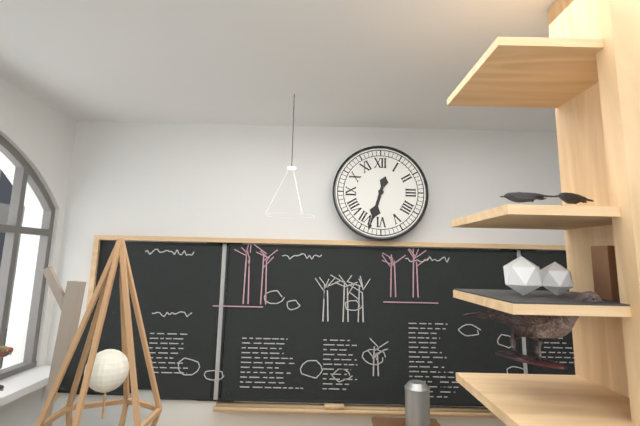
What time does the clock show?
6:33
